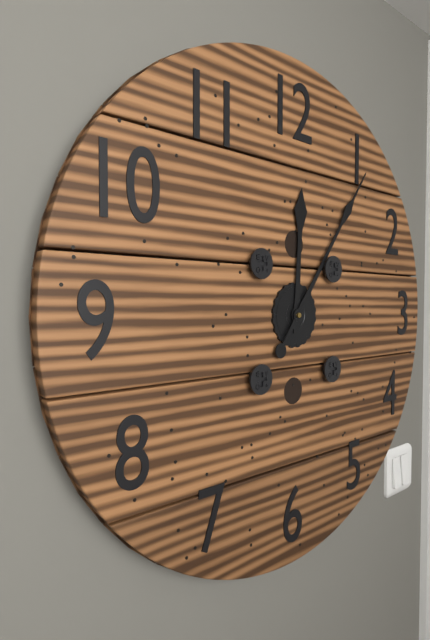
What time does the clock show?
12:06
